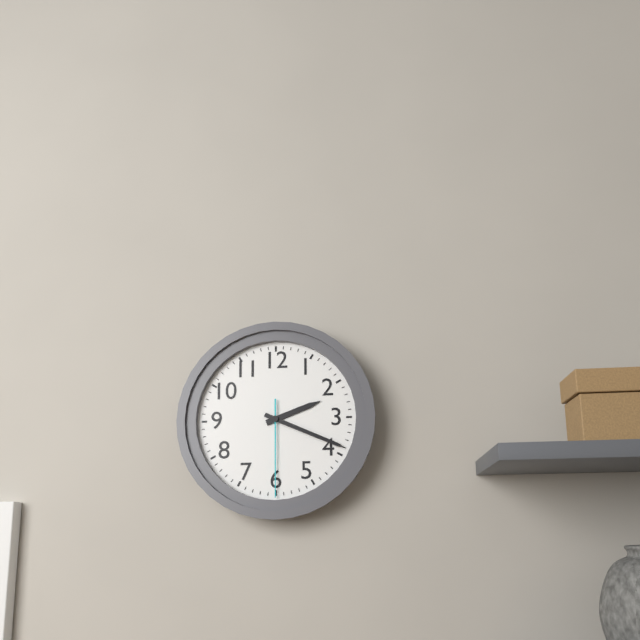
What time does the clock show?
2:19:30
